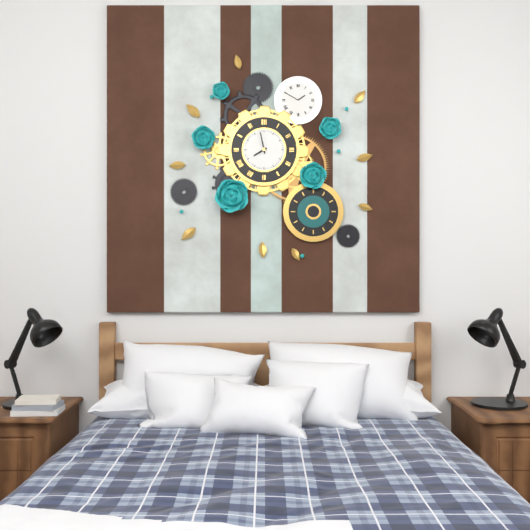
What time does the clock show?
7:58
